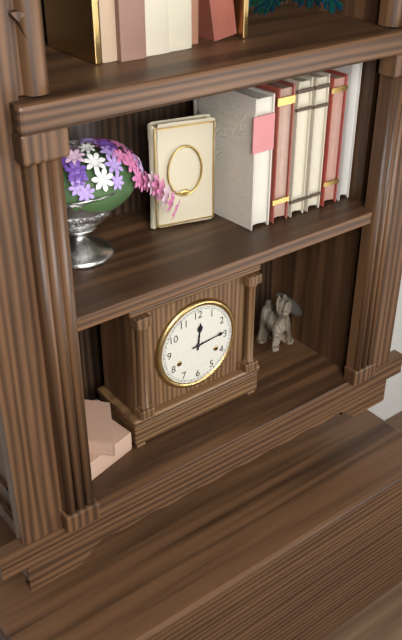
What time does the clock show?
12:14
